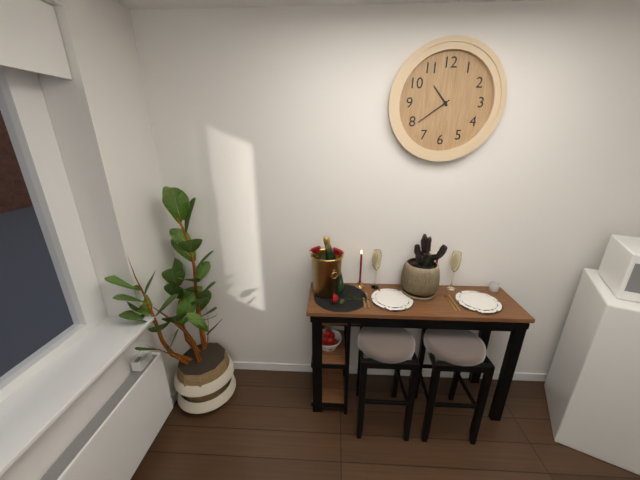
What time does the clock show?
10:39
